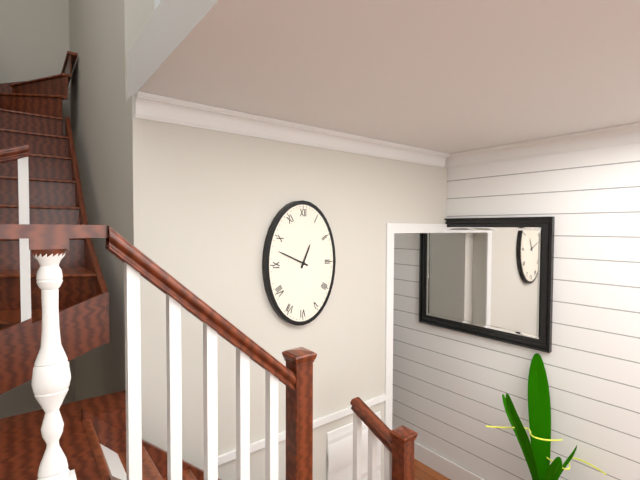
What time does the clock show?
12:49
